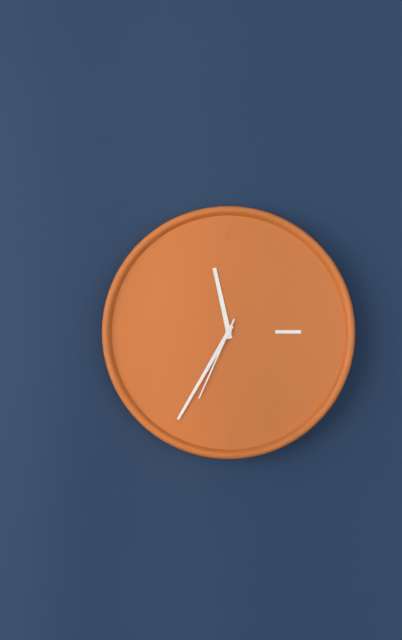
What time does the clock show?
11:35:34
